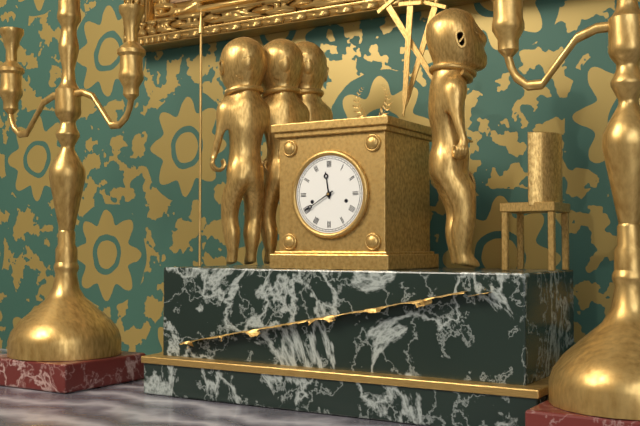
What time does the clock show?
11:40
